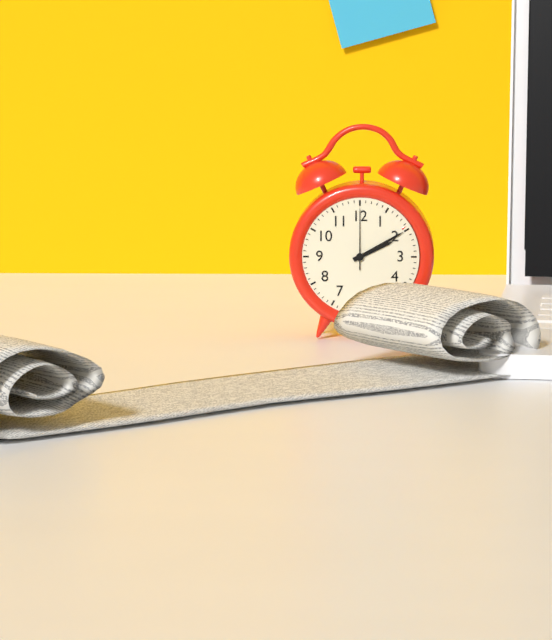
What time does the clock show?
2:10:00
